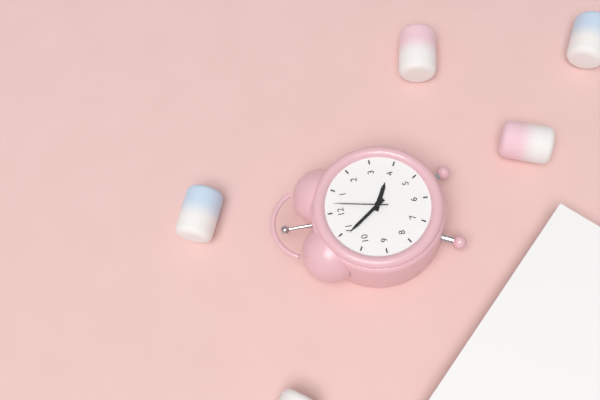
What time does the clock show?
3:54:02
